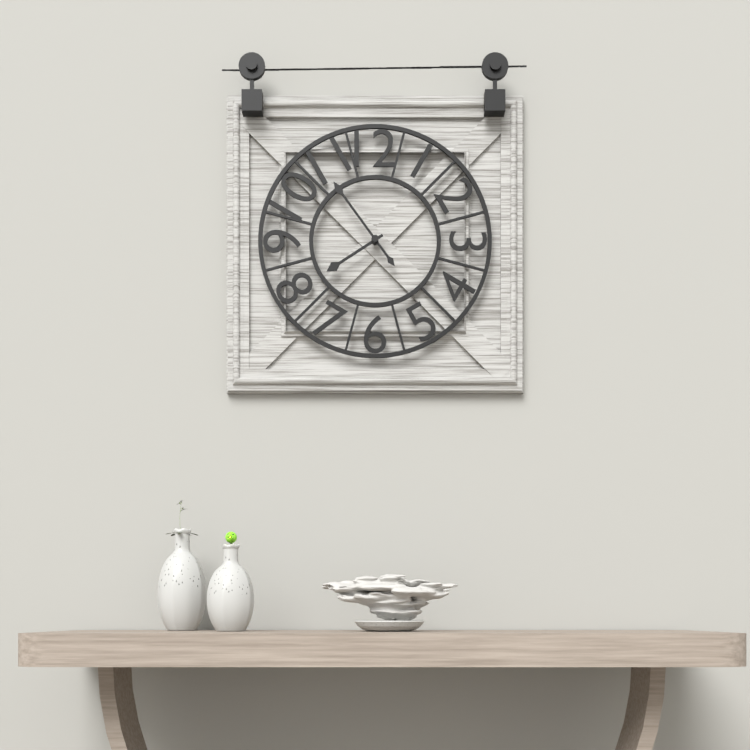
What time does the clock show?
7:54
